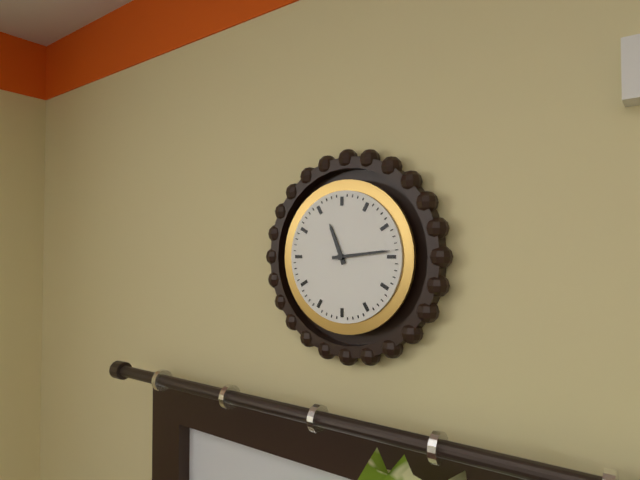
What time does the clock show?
11:14
